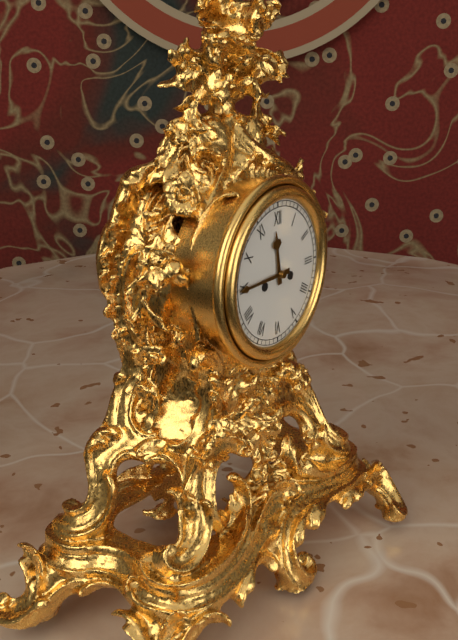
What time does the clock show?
11:45
